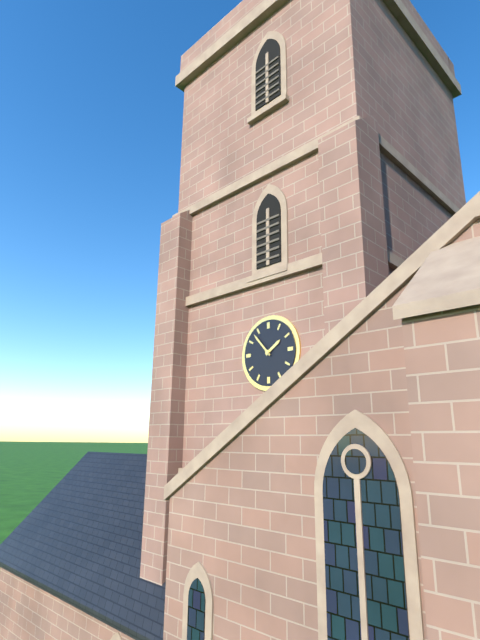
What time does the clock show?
1:53
